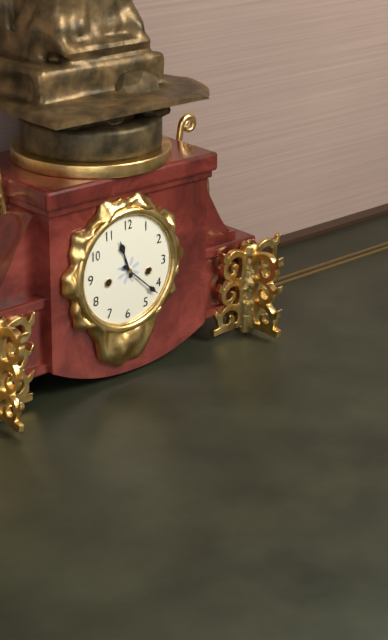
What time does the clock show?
11:22
